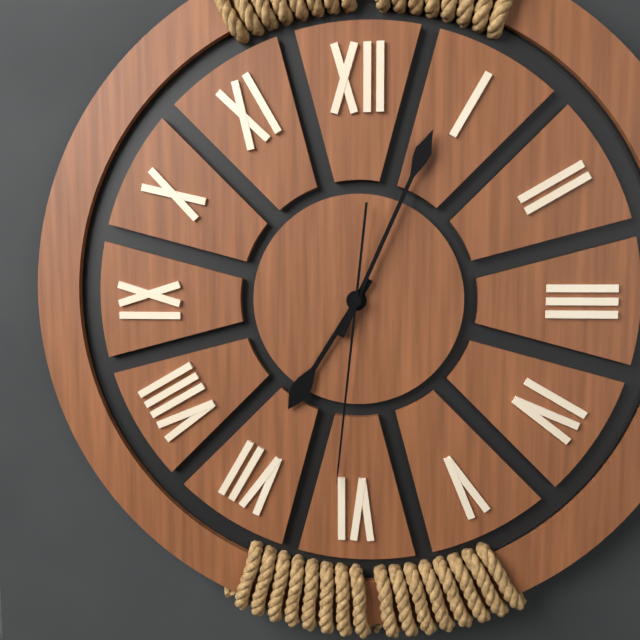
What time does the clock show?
7:04:31
